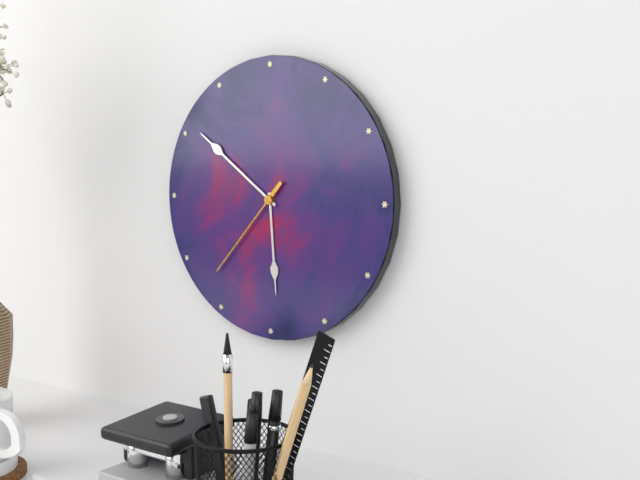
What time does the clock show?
5:51:37
